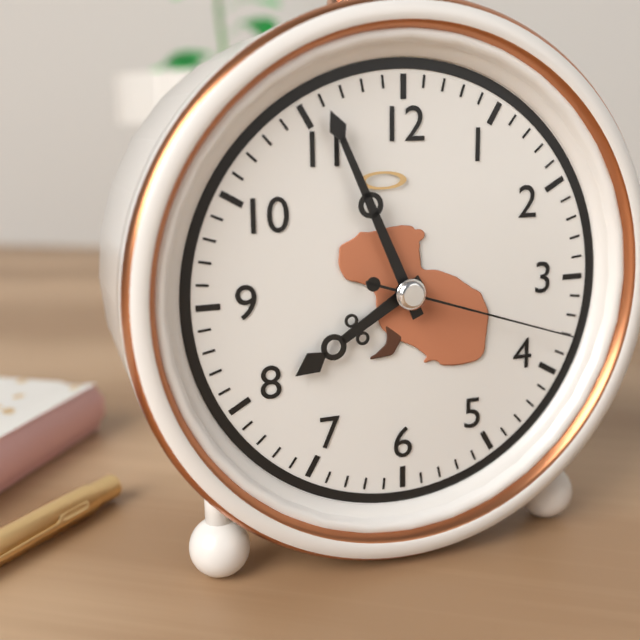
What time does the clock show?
7:56:18
